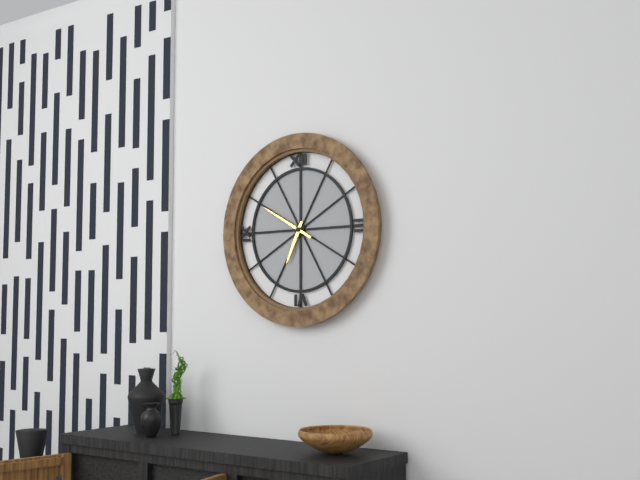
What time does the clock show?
6:50
